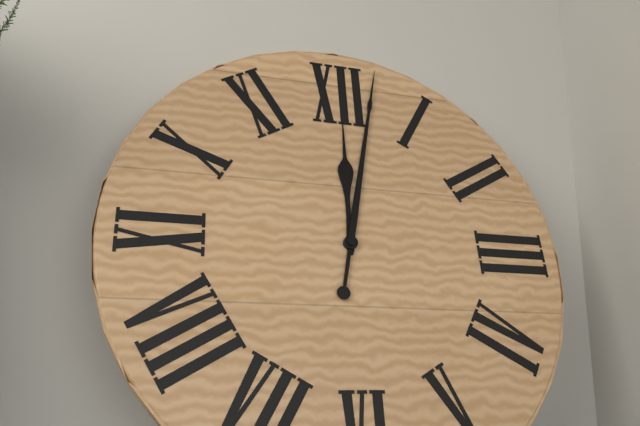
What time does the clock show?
12:02
